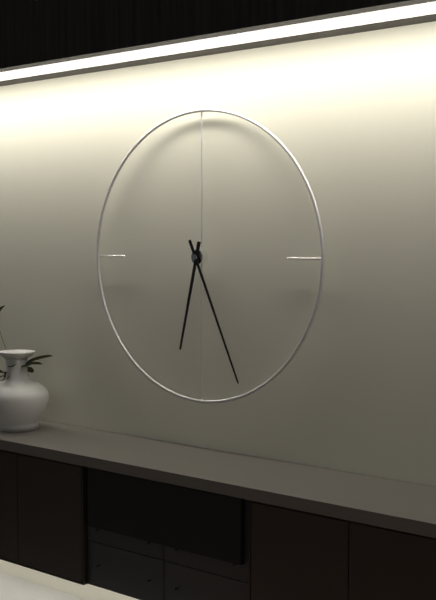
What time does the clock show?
6:26
